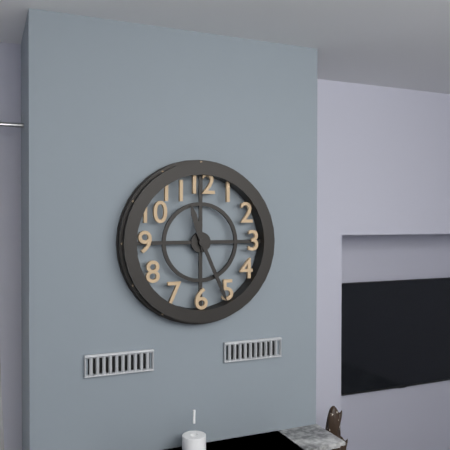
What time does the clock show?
11:26
